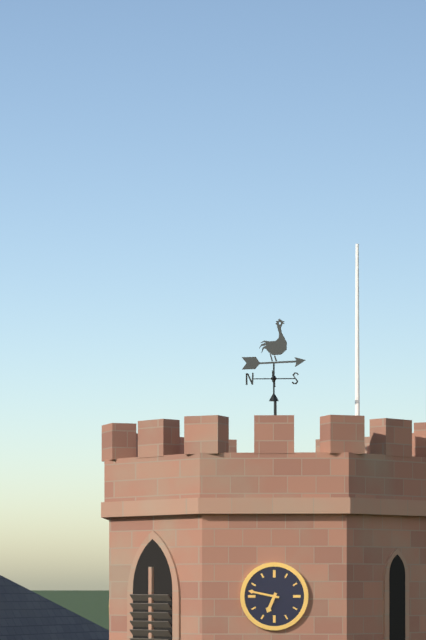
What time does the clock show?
6:47
